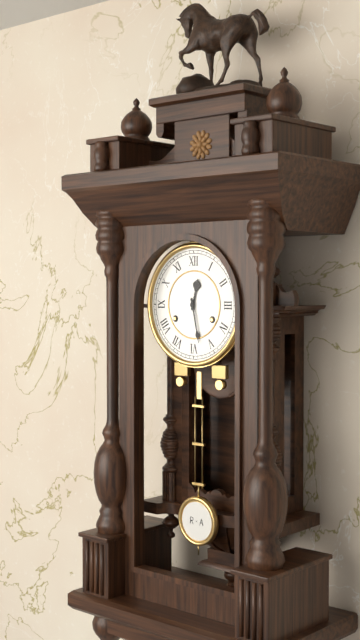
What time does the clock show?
12:28
